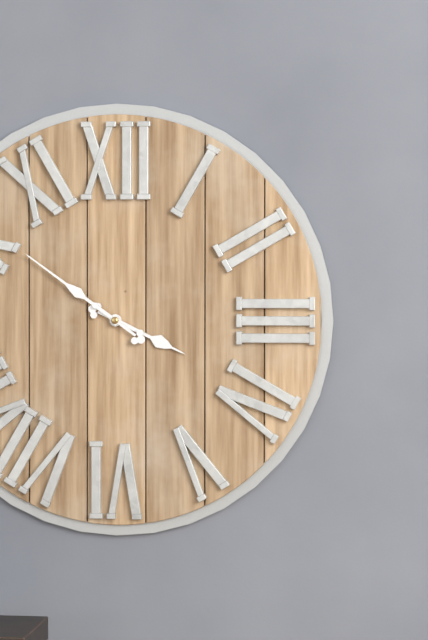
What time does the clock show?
3:51
